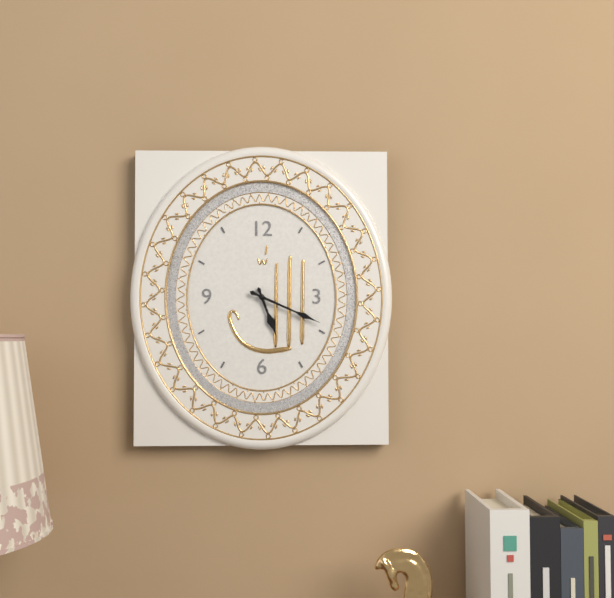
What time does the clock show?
5:19
